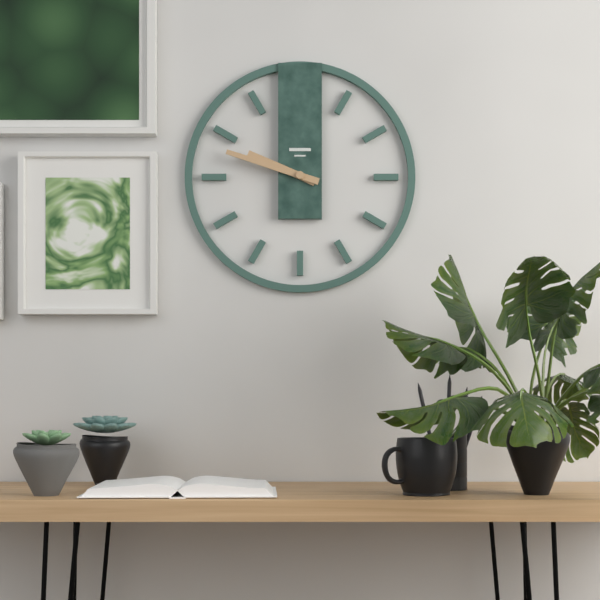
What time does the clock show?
9:48
